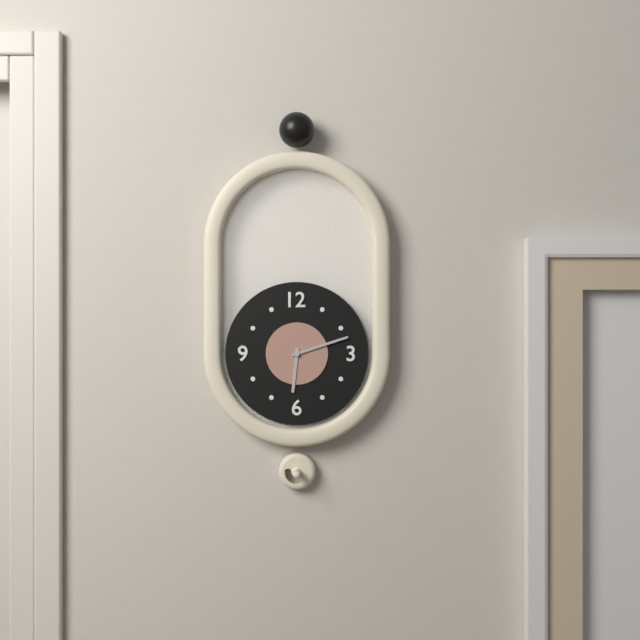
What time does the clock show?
6:12
